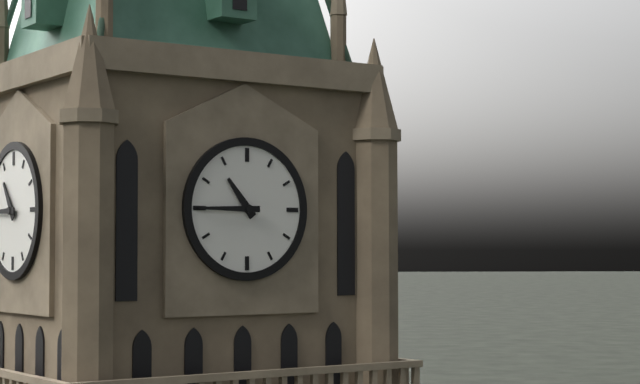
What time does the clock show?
10:45
